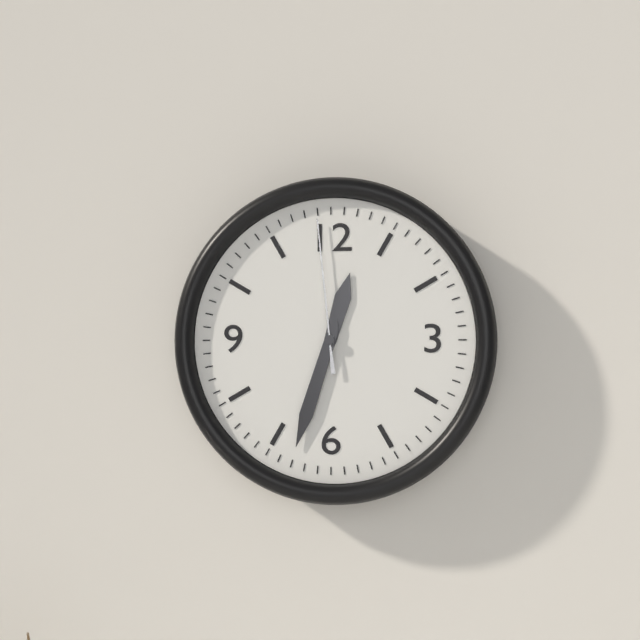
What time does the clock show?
12:33:59
